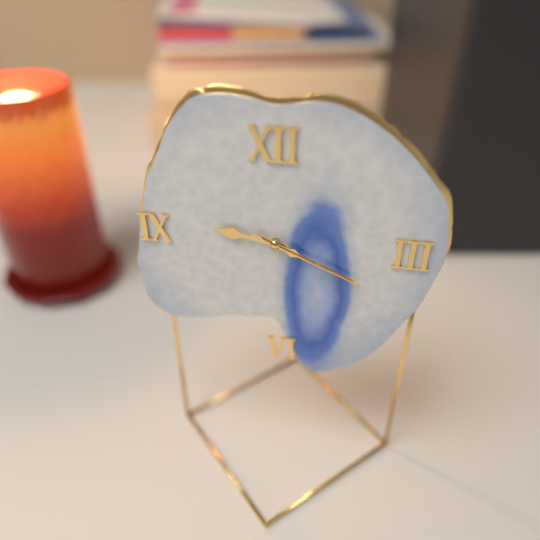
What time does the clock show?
9:19:19
